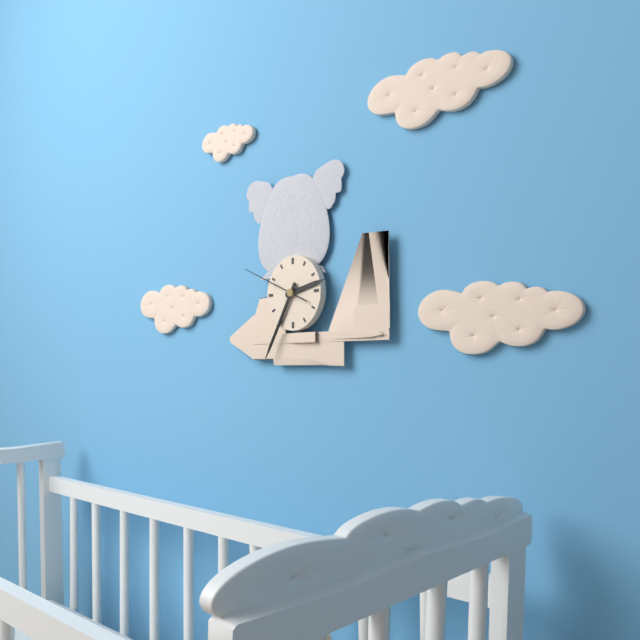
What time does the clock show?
2:35:49
